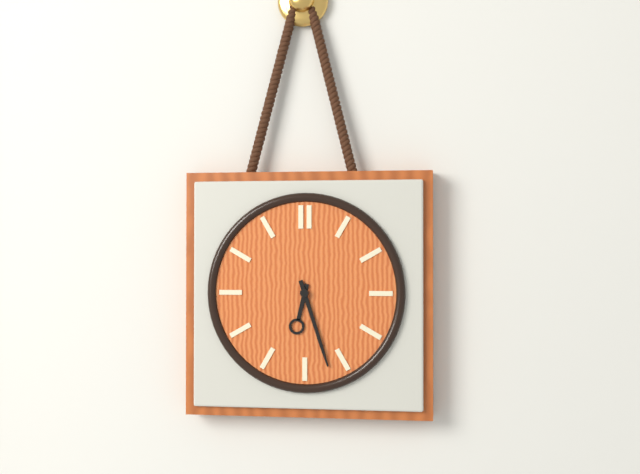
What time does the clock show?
6:27
